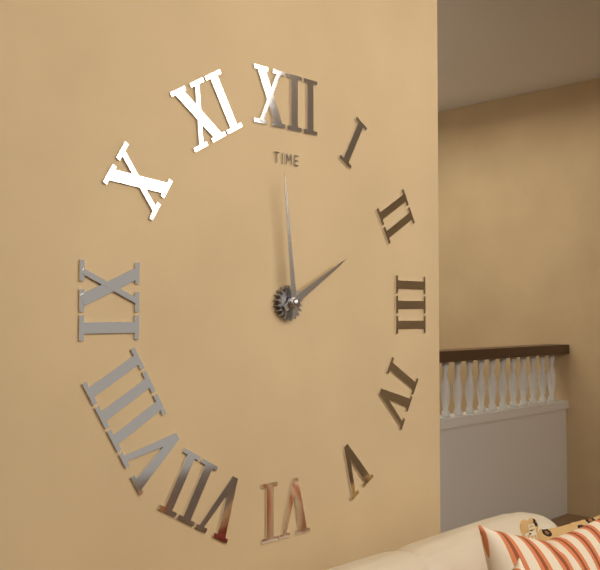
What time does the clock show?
1:59
